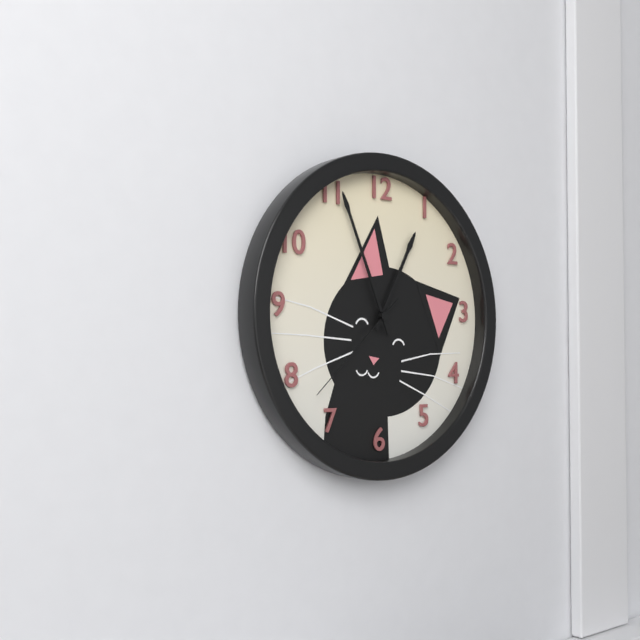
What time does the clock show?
12:56:38
